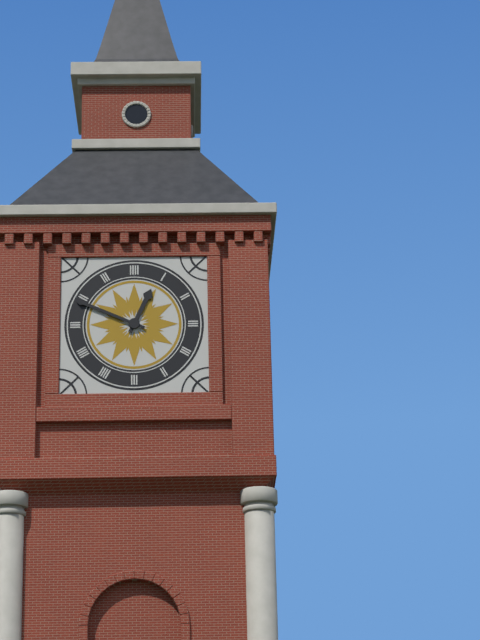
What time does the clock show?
12:49
